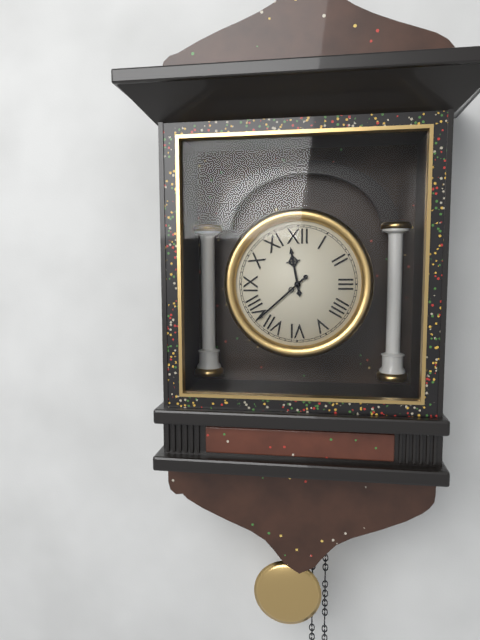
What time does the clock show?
11:38
